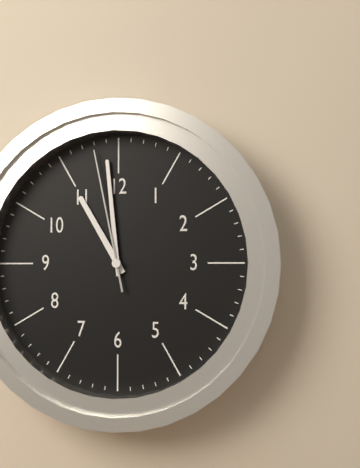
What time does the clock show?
10:59:58
